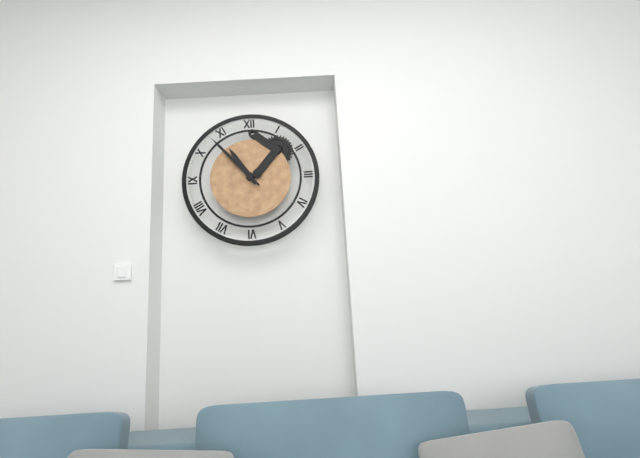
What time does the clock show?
10:53
